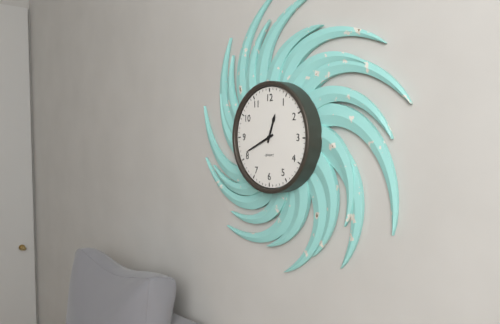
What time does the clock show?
12:41
